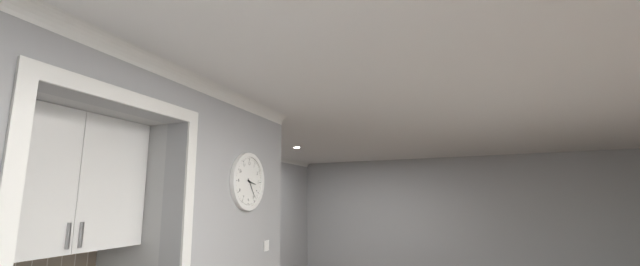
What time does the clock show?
3:24
